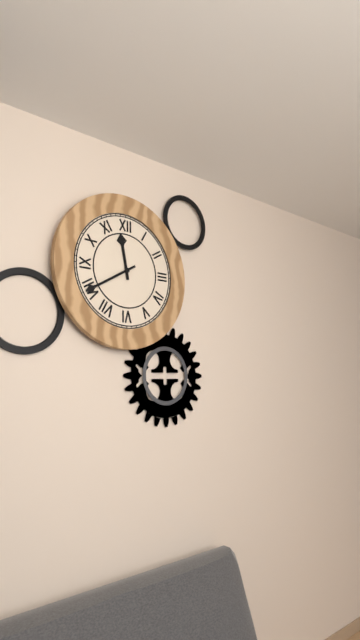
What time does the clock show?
11:40
